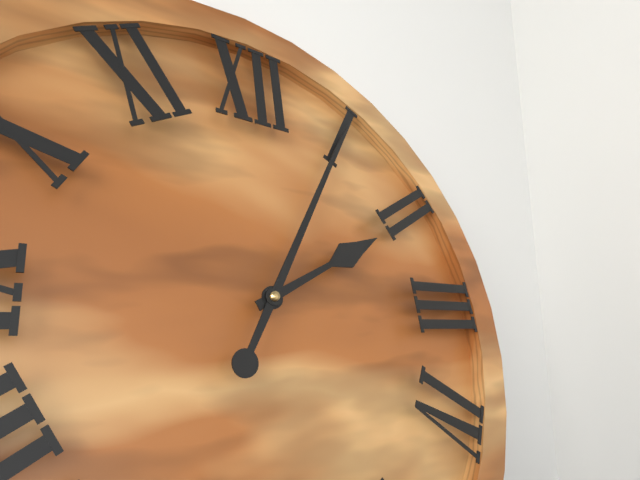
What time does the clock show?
2:05
